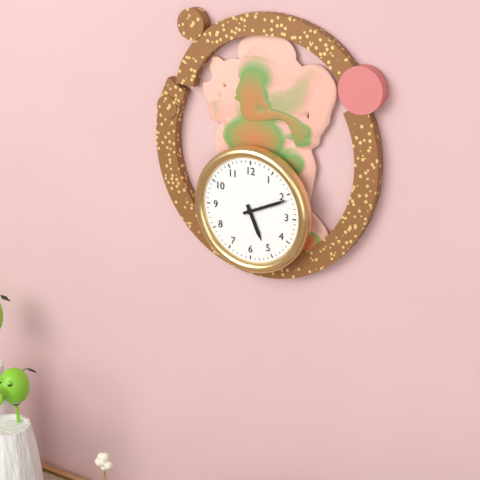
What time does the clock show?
5:11
